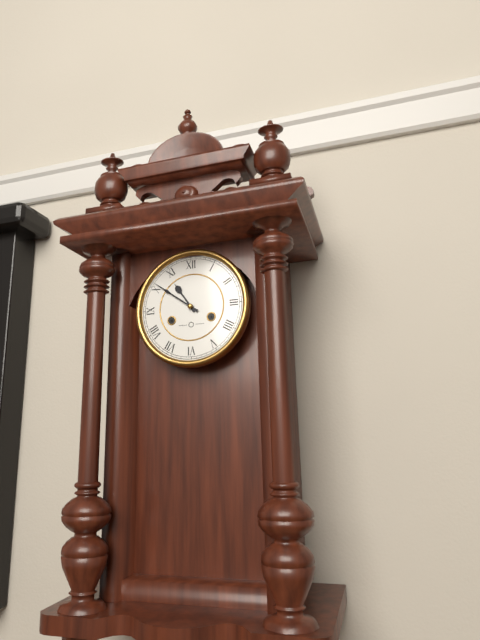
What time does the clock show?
10:51
